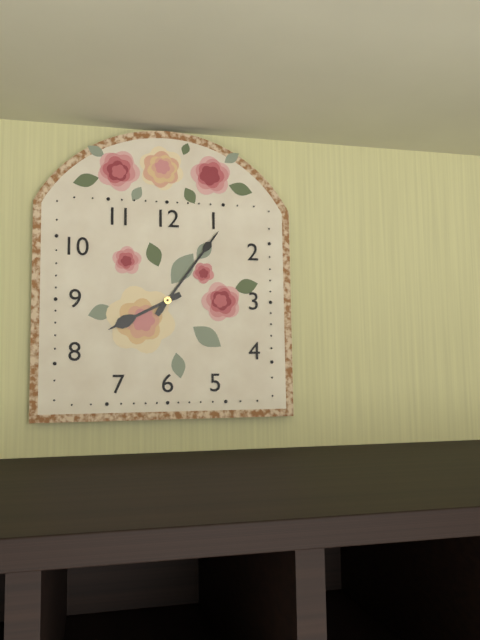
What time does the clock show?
8:06
